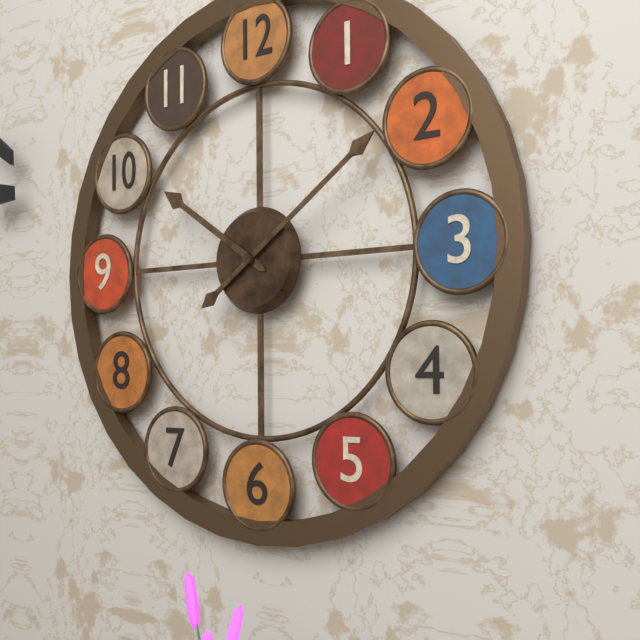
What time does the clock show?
10:09
